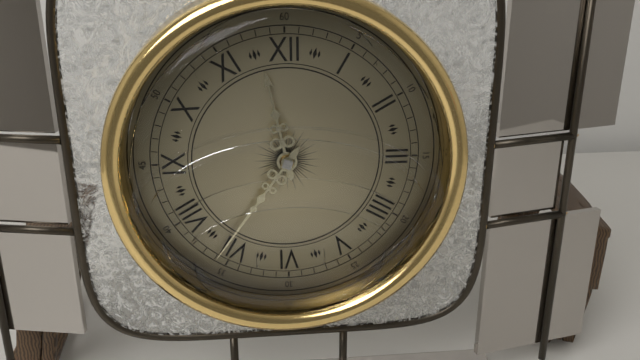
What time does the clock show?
11:36
